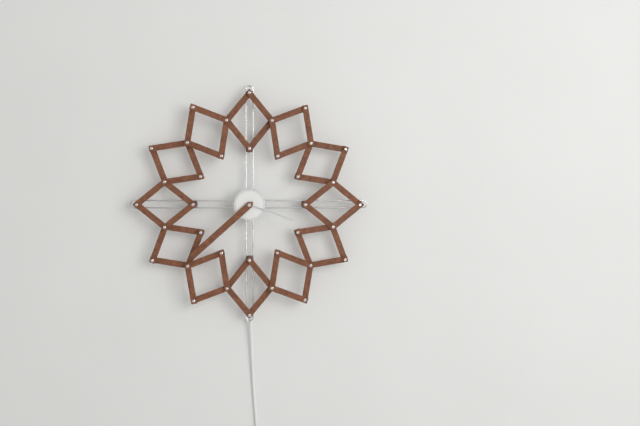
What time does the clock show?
3:38
